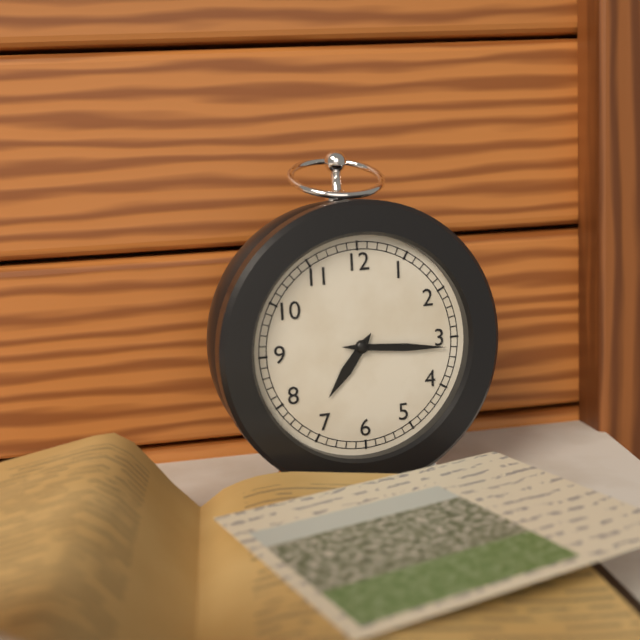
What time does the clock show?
7:16
